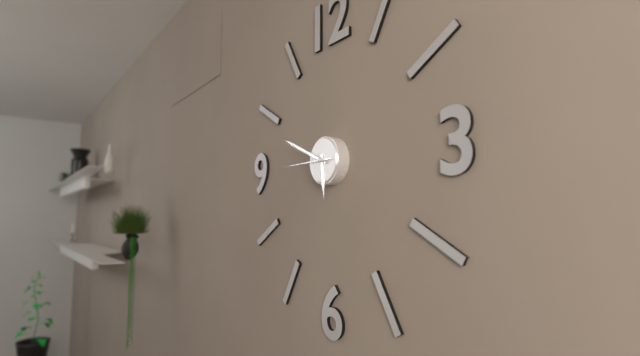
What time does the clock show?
5:49
